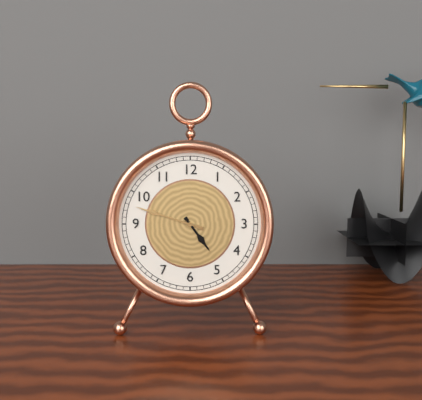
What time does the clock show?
4:48
